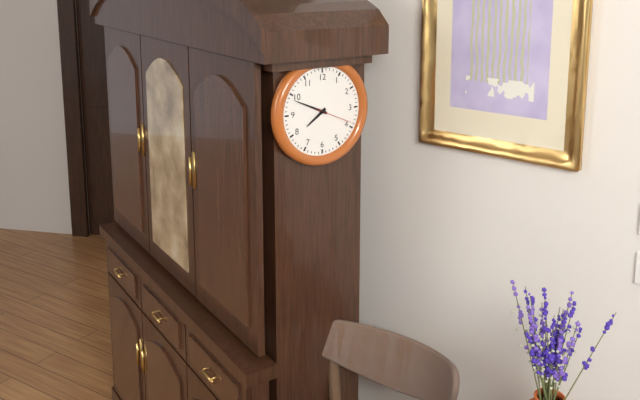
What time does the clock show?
7:49
